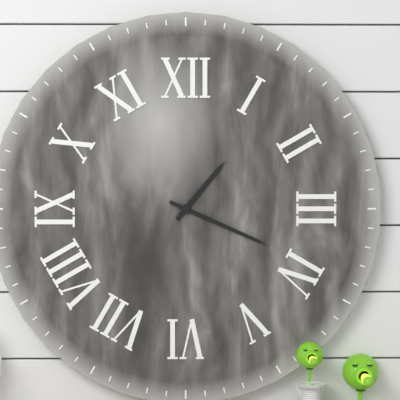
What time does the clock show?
1:19
